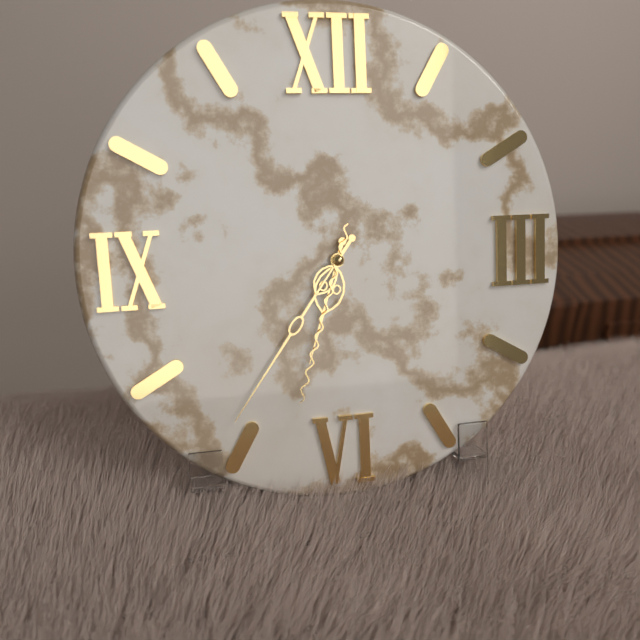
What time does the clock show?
6:36:33
